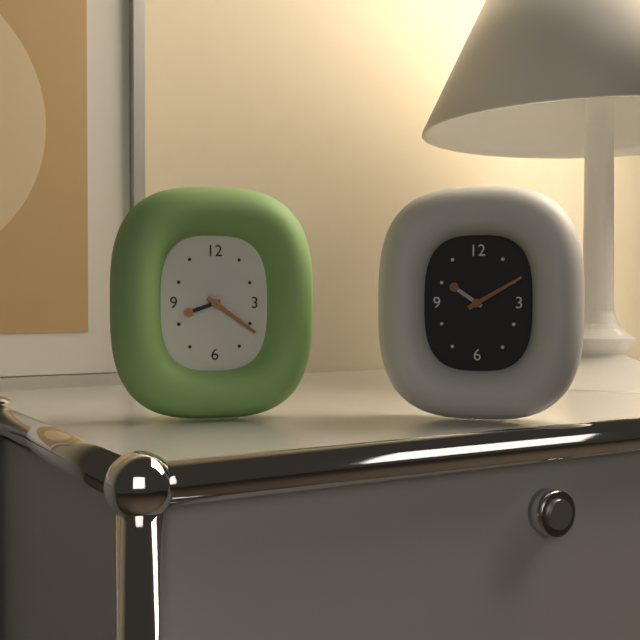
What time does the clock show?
8:21
